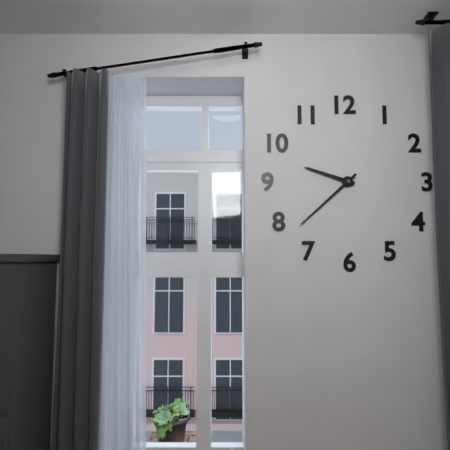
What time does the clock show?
9:38
